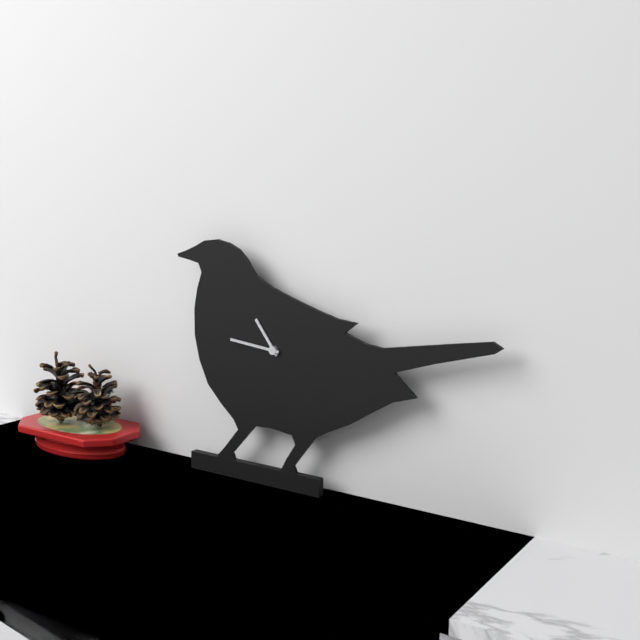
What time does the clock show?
10:46
